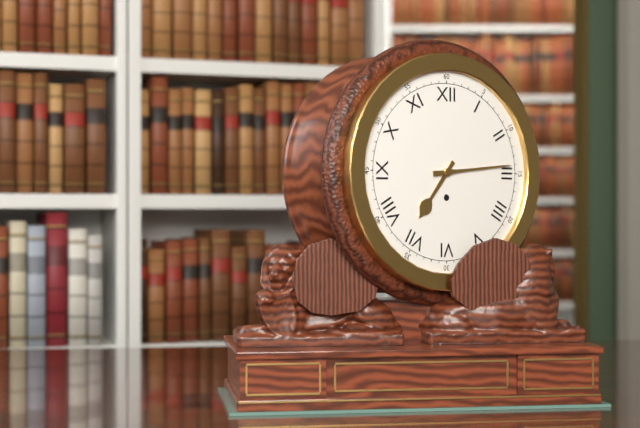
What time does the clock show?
7:14
